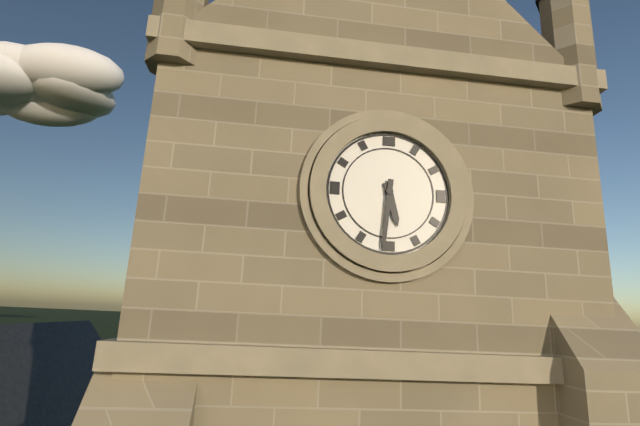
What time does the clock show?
5:31
